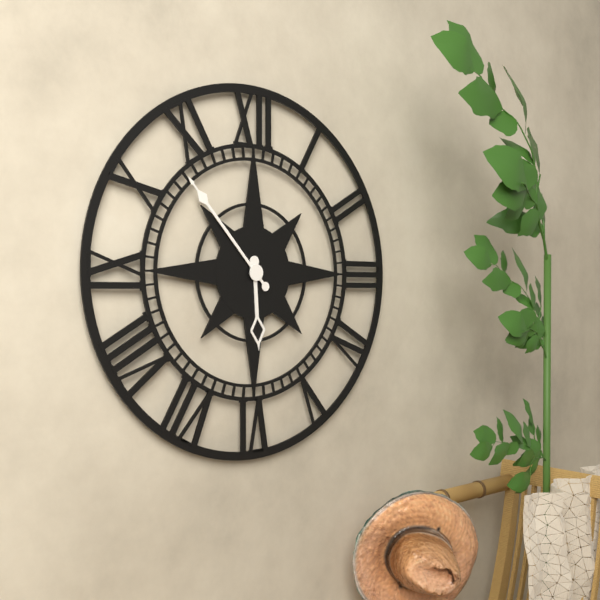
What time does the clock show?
5:53
